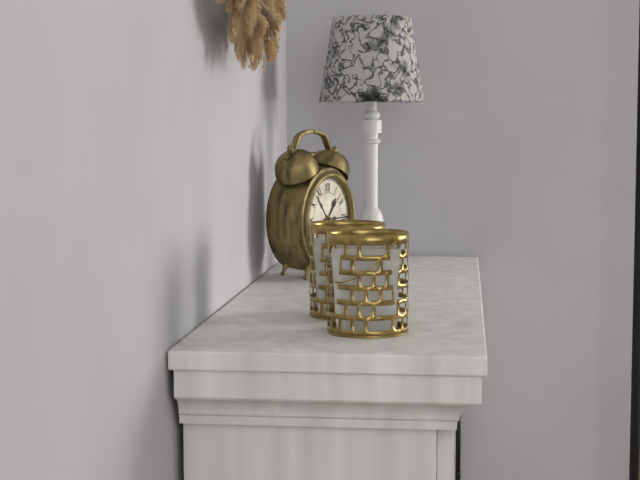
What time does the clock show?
1:15
